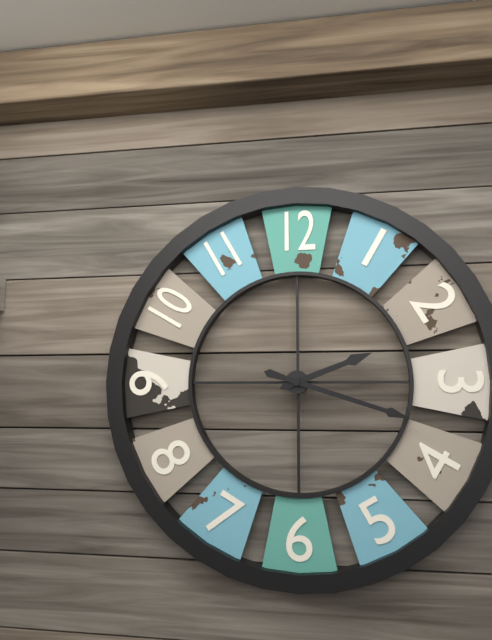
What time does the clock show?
2:18
